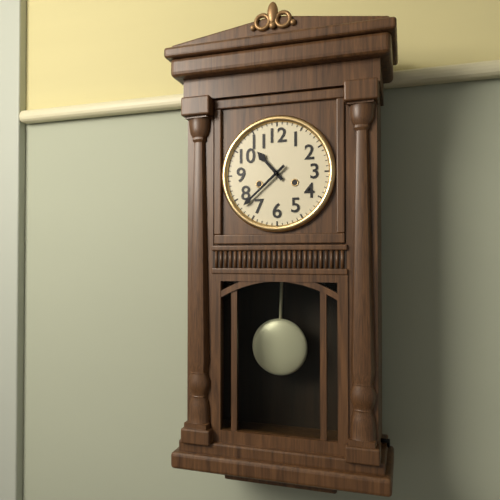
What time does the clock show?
10:38
